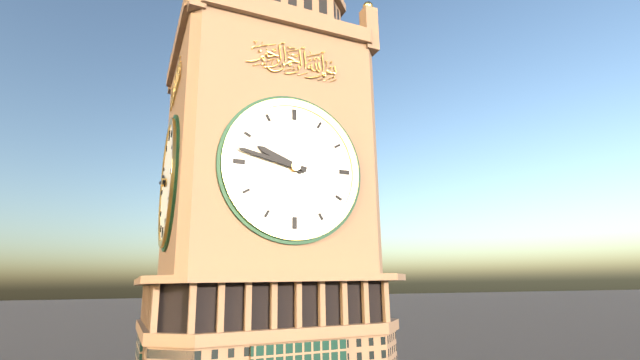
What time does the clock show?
9:47
